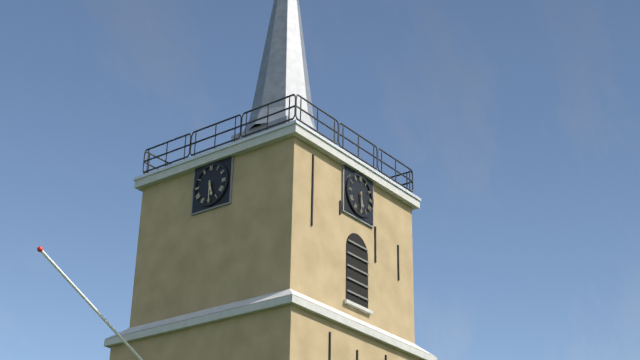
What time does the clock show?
5:30
